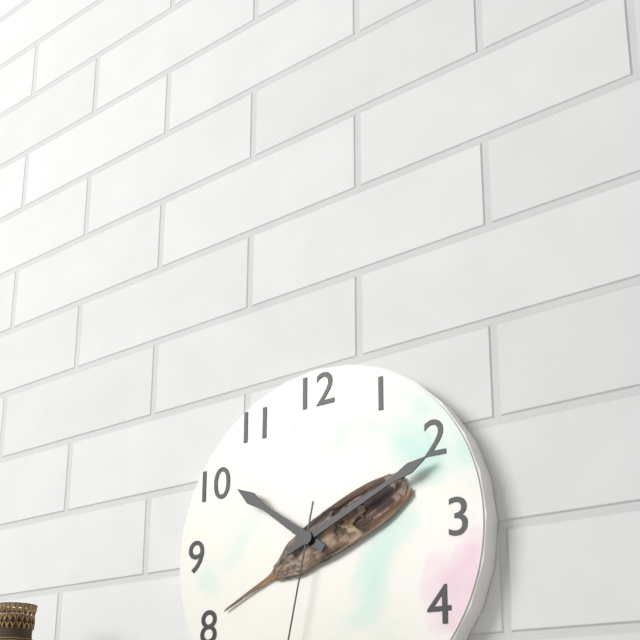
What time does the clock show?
10:11
